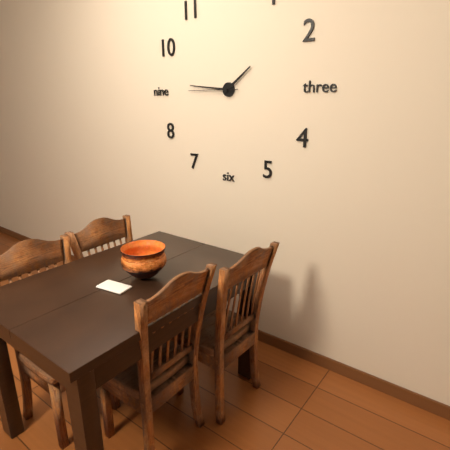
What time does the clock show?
1:46
